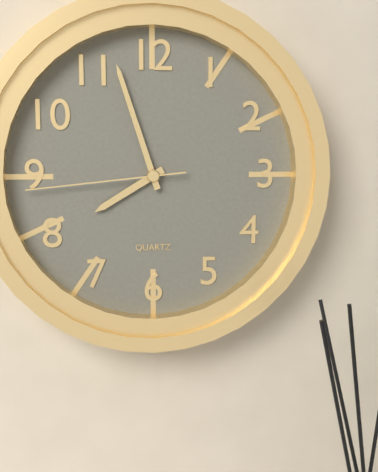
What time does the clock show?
7:57:44
